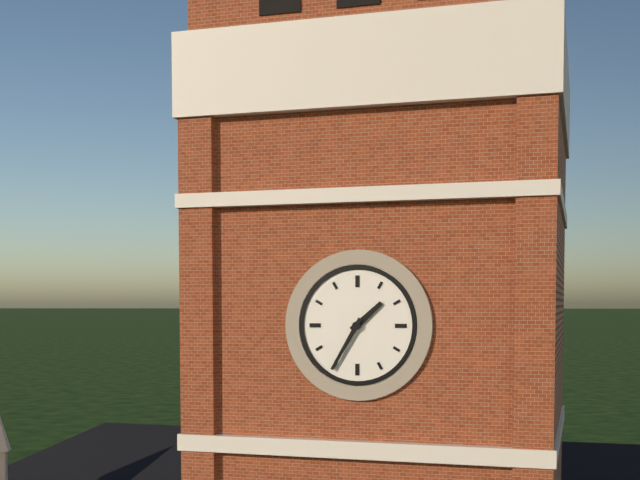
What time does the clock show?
1:35
